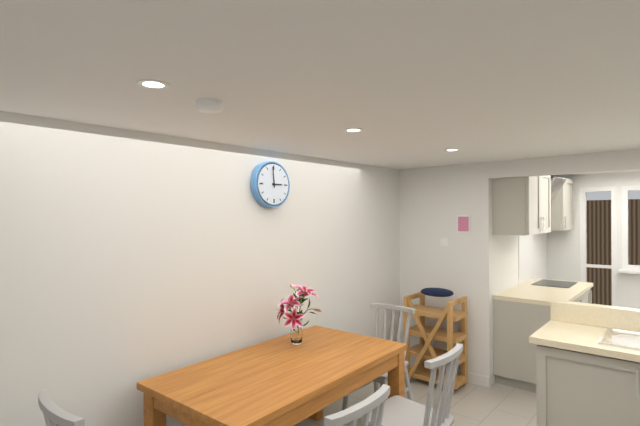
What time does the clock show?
2:59
